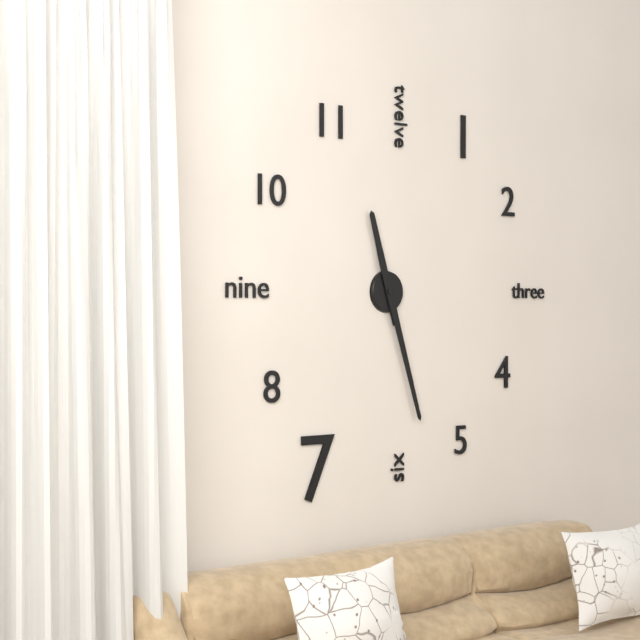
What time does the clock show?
11:27
